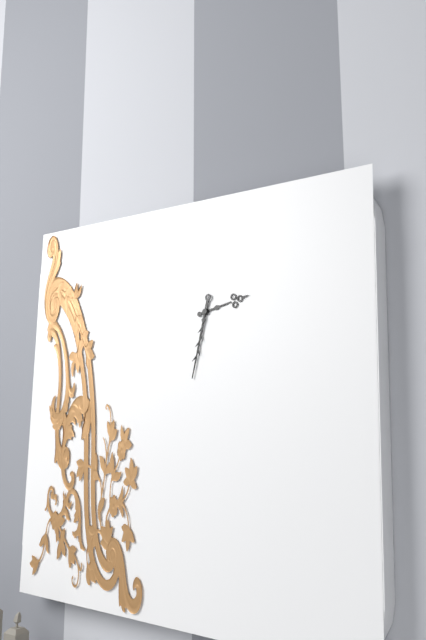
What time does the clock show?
2:32
